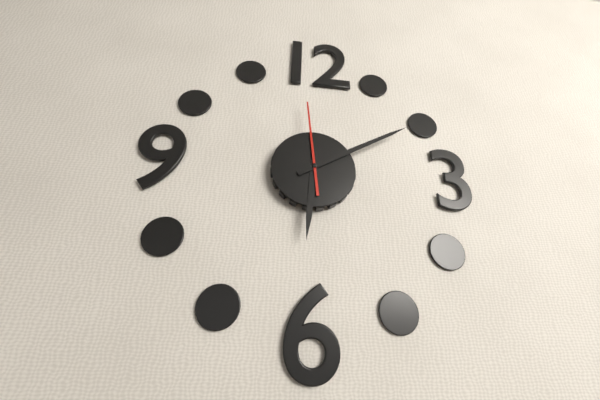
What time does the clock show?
6:10:59
